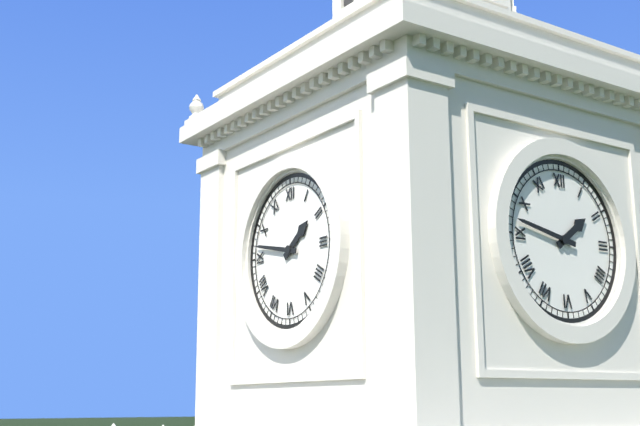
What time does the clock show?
1:47
